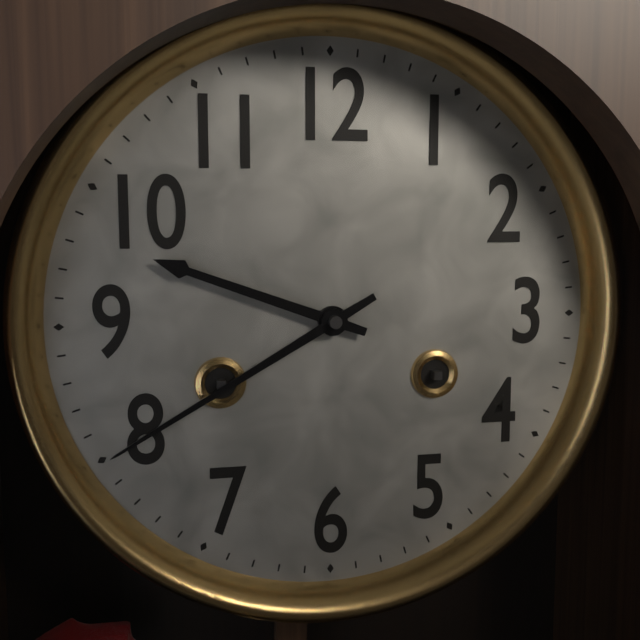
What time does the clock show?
9:40
